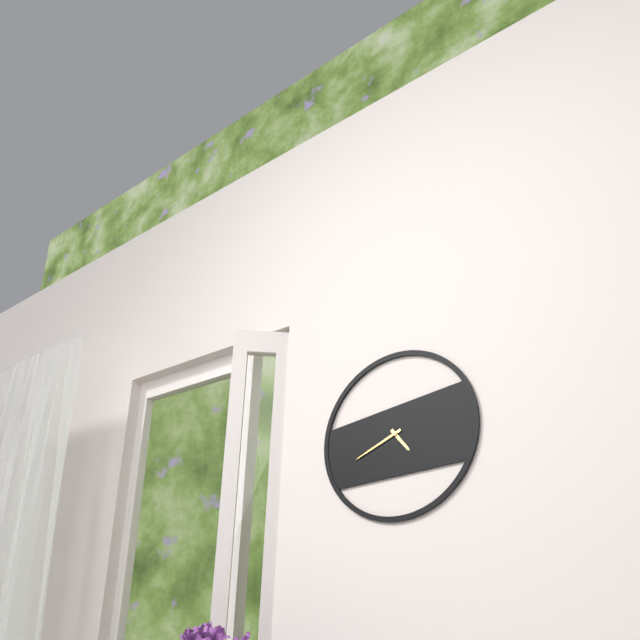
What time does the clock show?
4:41
